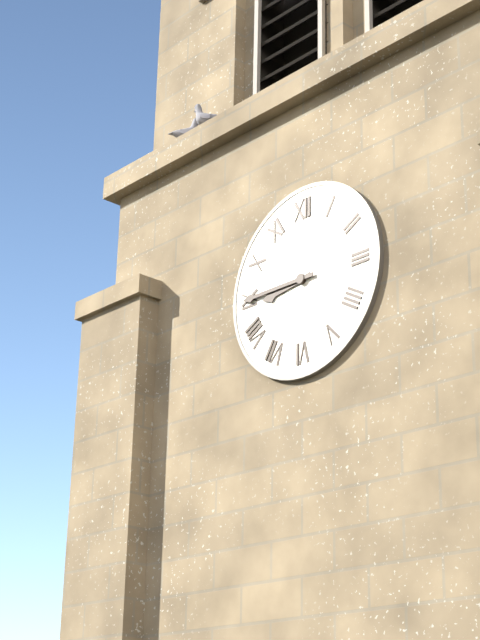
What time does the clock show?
8:45
